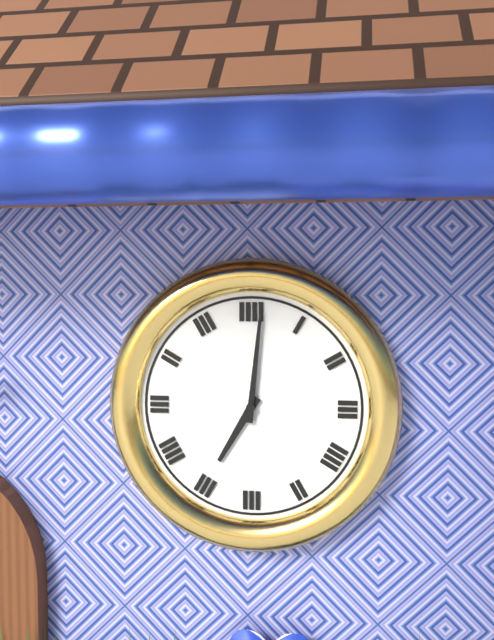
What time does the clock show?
7:01
